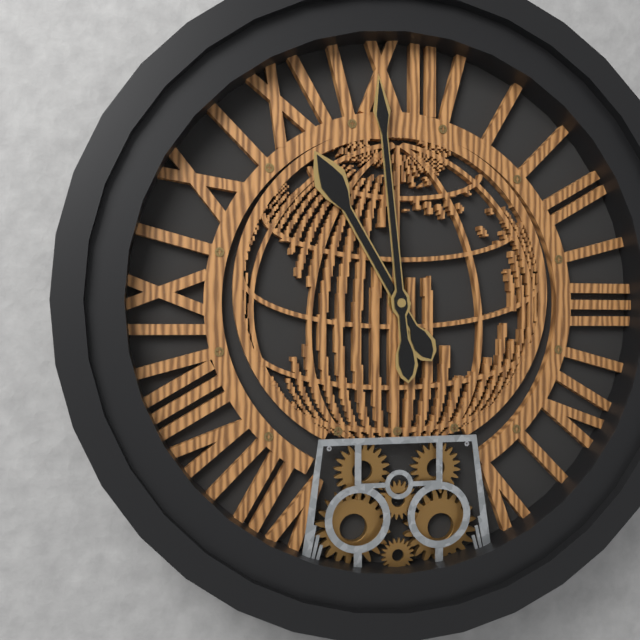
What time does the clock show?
10:59
